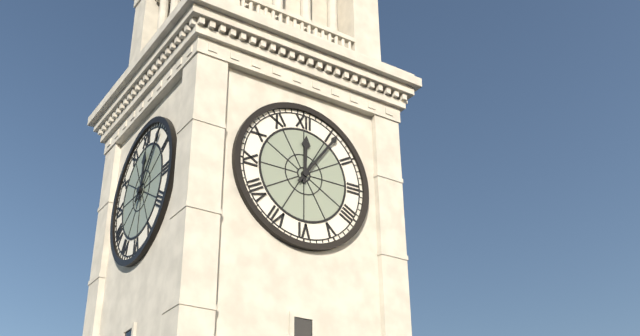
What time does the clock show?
12:06
